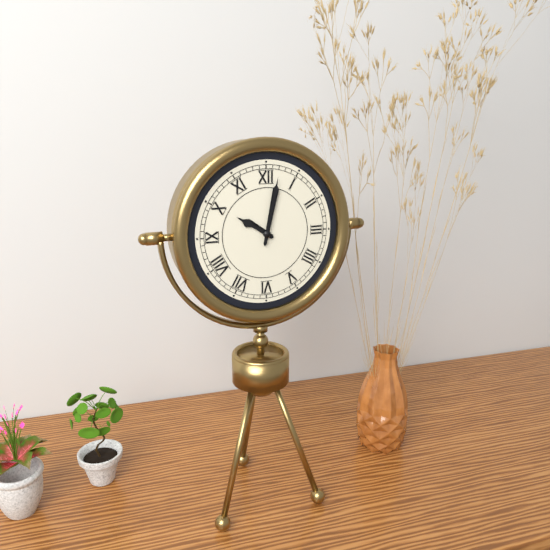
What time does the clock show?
10:02
